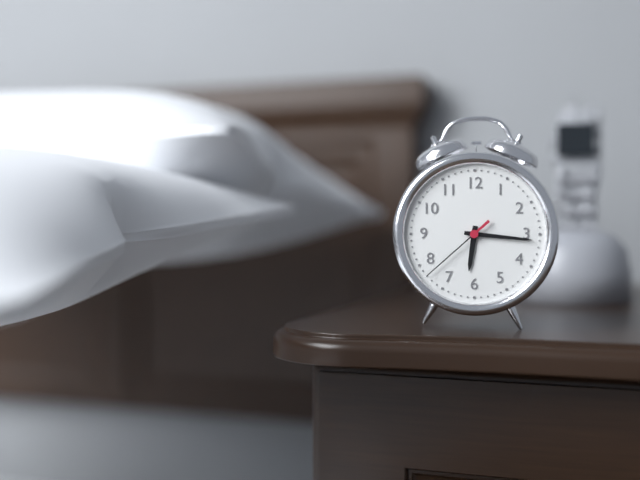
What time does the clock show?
6:16:38
